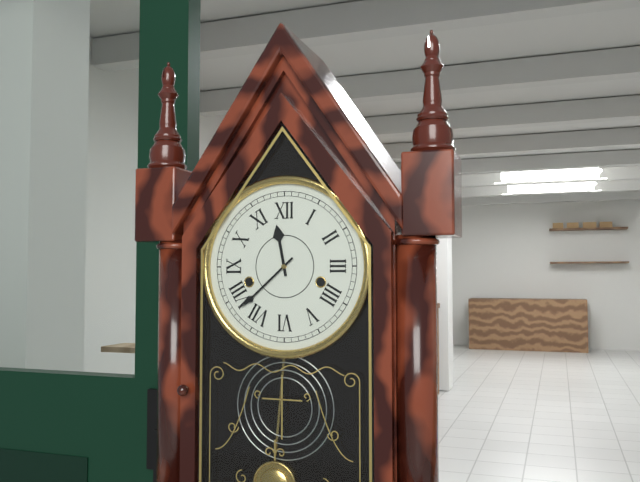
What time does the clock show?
11:38
